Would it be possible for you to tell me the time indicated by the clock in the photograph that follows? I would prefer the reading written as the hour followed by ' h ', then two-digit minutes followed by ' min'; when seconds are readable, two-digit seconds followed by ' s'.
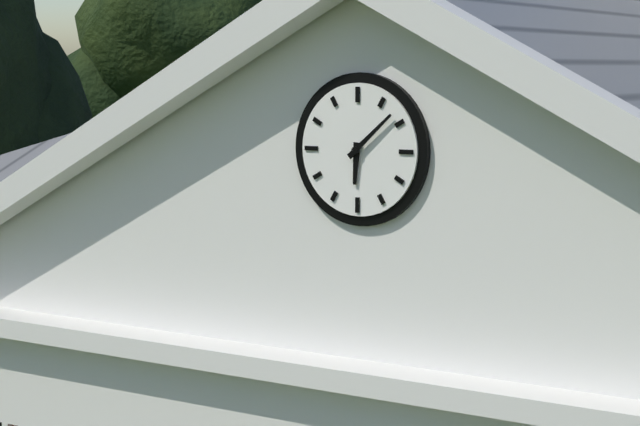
6 h 08 min
